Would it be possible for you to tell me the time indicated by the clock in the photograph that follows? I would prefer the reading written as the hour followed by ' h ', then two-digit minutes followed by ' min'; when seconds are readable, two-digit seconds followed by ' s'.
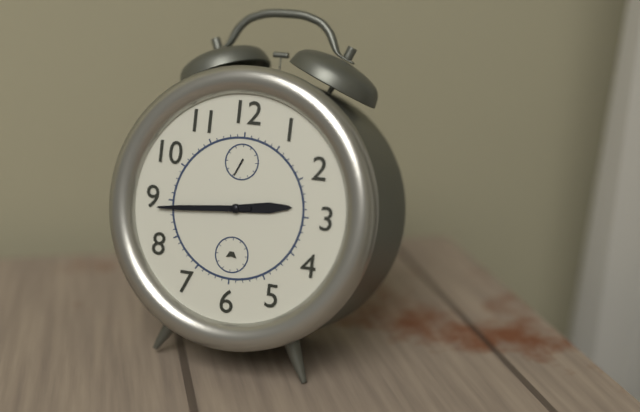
2 h 44 min
